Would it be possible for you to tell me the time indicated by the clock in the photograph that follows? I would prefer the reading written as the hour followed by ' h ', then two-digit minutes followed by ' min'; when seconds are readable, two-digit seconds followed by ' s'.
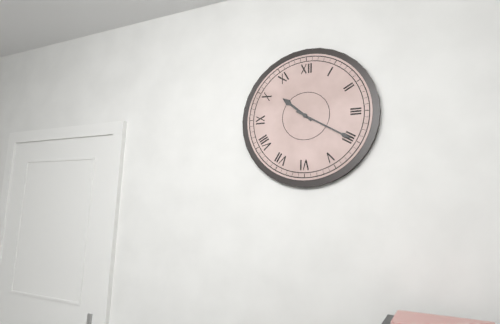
10 h 20 min
